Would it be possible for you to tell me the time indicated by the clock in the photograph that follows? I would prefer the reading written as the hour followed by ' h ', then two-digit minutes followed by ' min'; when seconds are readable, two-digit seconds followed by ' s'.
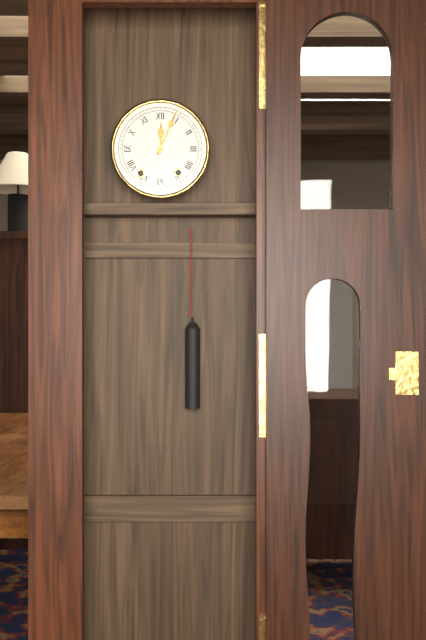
12 h 04 min
